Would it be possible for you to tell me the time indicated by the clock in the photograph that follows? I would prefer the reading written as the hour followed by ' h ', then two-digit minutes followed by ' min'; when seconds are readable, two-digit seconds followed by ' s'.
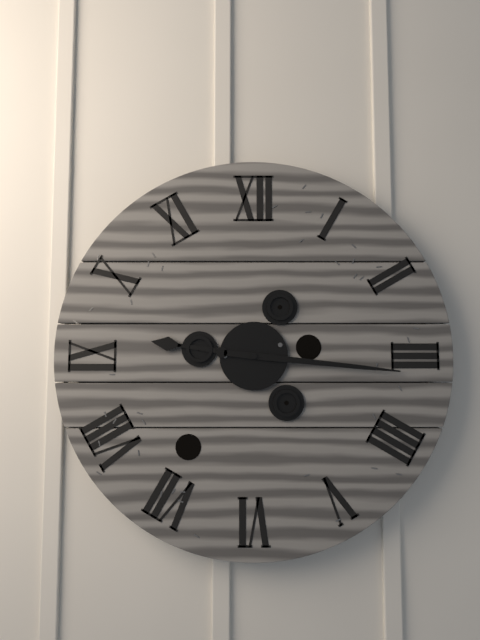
9 h 16 min
